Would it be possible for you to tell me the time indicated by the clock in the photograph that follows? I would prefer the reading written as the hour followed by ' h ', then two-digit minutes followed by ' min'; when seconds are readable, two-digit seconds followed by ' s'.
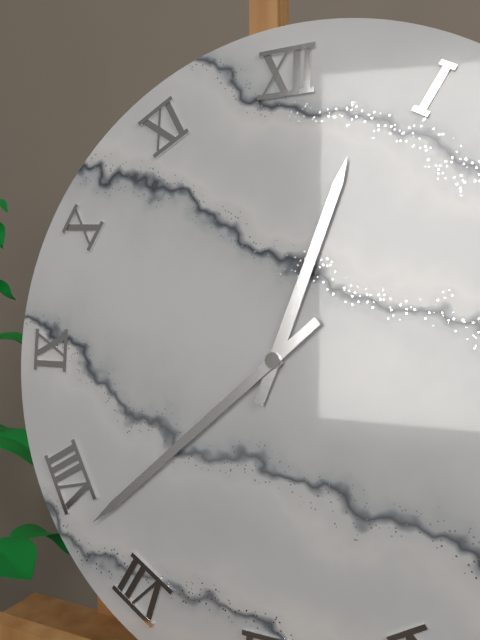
12 h 38 min
